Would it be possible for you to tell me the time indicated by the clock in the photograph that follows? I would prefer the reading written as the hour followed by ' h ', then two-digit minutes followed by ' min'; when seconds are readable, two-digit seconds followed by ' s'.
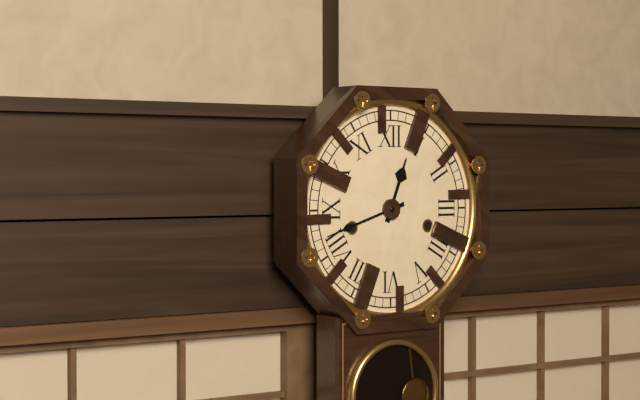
12 h 42 min
